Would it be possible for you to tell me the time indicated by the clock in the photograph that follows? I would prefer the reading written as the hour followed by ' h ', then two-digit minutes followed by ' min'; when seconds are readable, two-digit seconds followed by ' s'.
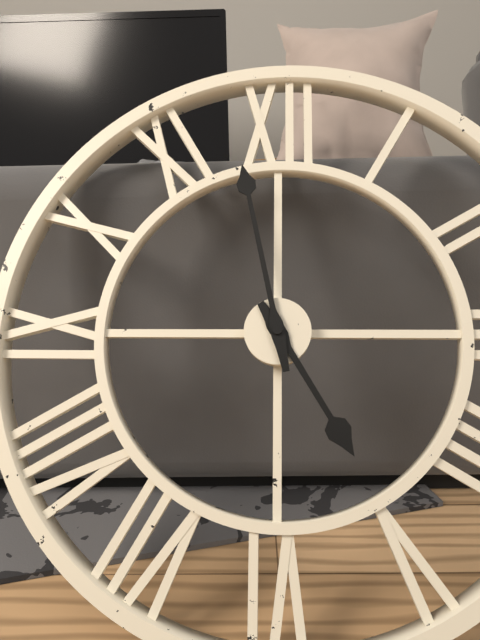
4 h 58 min
